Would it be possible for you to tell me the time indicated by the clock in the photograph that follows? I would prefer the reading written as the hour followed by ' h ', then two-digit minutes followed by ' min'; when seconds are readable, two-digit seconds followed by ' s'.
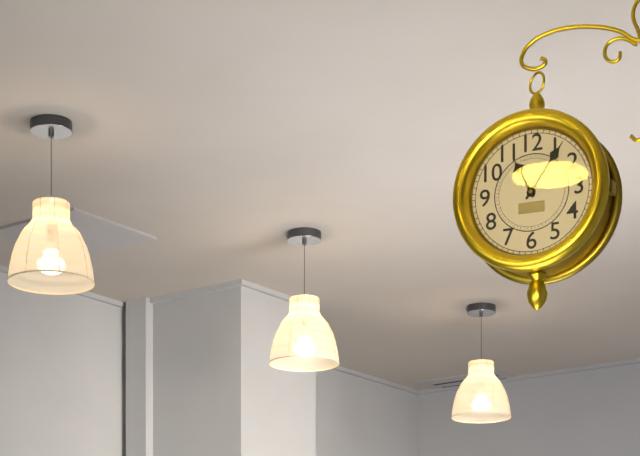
11 h 06 min
